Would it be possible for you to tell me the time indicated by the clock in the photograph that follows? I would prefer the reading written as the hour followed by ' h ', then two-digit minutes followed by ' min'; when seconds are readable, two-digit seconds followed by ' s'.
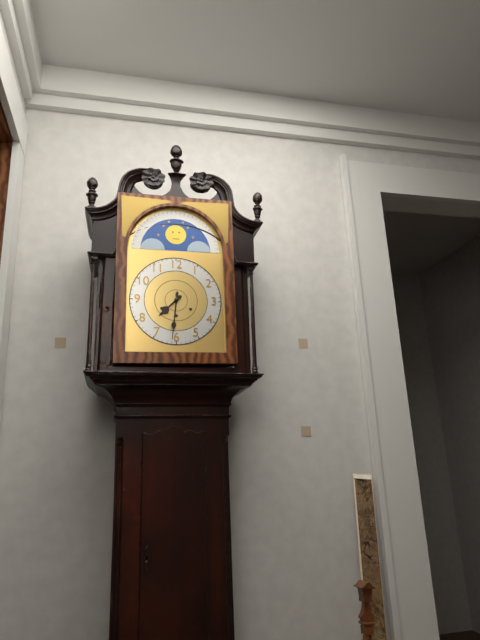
7 h 31 min
